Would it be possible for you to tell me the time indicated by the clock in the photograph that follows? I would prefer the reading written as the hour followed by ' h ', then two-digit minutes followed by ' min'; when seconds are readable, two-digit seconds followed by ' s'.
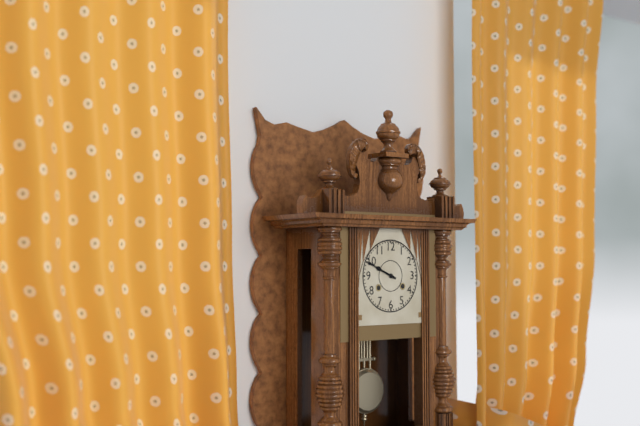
9 h 49 min
